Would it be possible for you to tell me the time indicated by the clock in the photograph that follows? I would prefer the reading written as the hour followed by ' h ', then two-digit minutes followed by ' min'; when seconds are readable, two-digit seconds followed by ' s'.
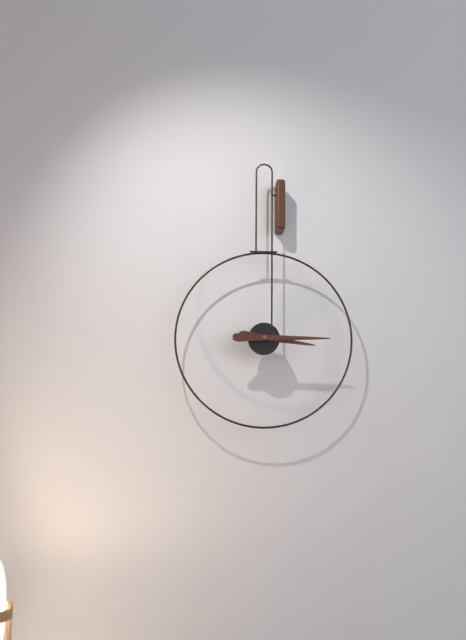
3 h 15 min
